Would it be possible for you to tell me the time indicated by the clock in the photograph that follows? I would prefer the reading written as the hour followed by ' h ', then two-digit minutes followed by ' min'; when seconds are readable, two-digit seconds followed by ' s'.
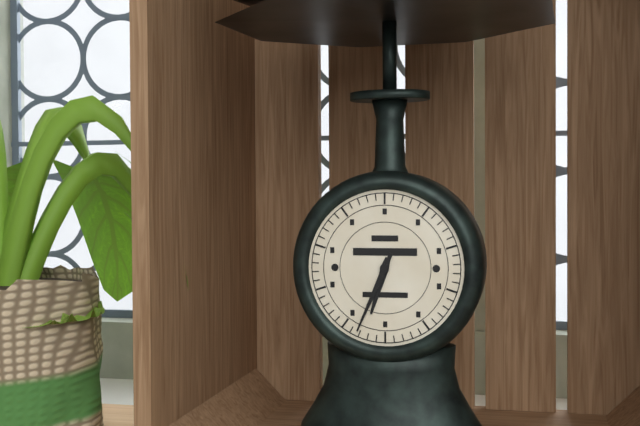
6 h 34 min
